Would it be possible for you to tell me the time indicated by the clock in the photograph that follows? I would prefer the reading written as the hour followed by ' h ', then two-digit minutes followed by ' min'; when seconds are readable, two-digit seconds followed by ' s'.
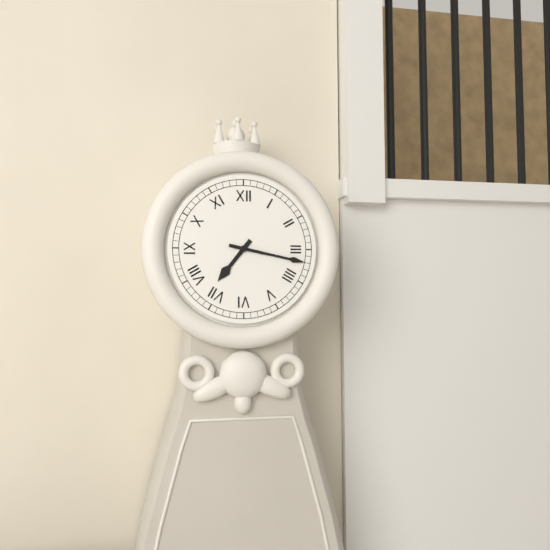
7 h 17 min
